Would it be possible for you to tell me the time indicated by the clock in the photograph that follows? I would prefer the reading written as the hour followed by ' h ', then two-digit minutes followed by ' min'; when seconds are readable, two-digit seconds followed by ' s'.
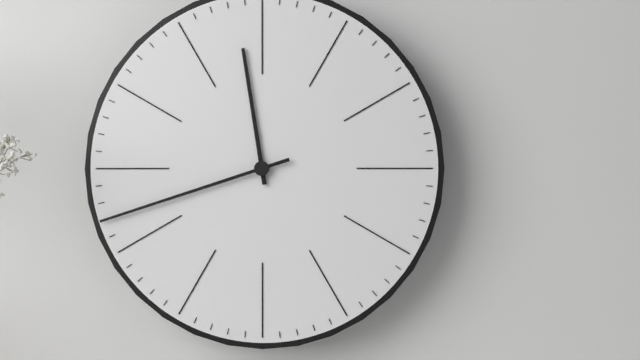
11 h 42 min
